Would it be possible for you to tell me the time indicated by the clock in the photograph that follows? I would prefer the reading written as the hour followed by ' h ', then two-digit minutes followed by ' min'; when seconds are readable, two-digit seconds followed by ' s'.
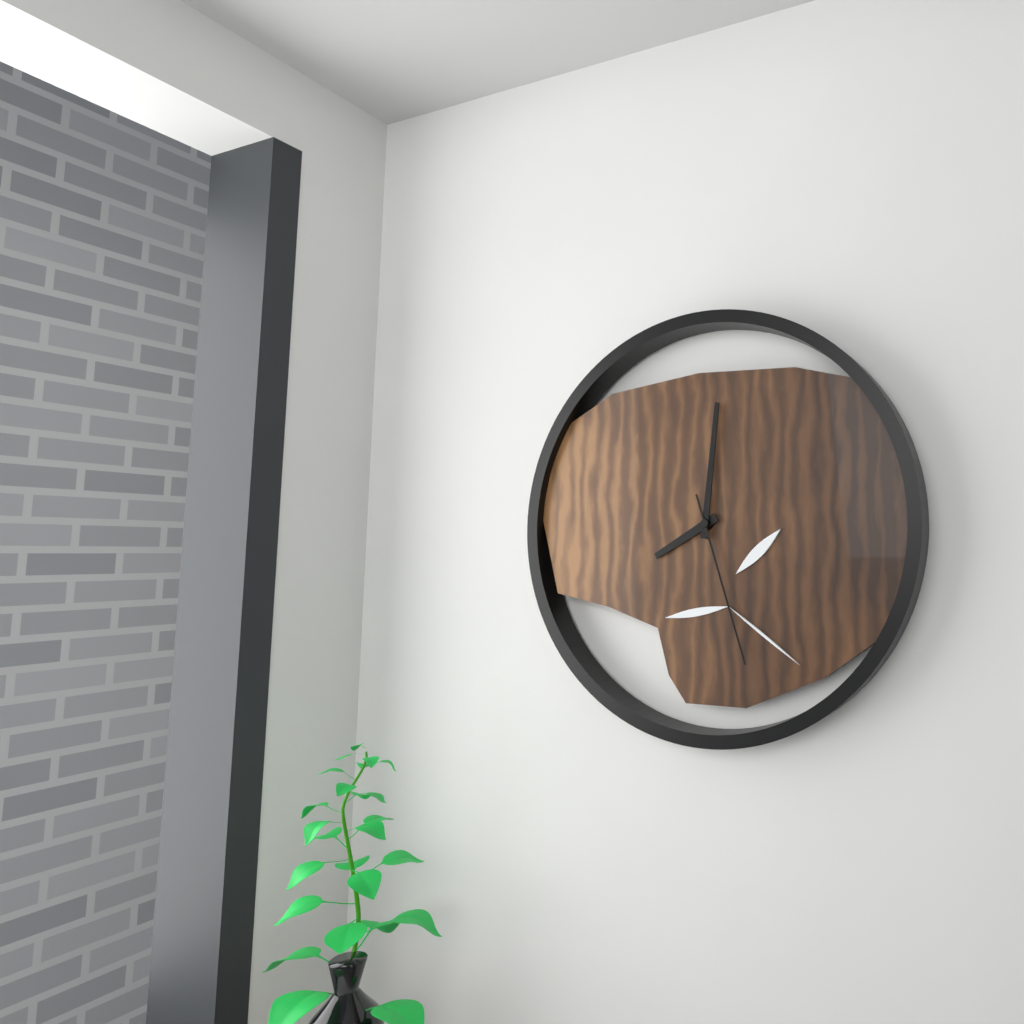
8 h 01 min 27 s
